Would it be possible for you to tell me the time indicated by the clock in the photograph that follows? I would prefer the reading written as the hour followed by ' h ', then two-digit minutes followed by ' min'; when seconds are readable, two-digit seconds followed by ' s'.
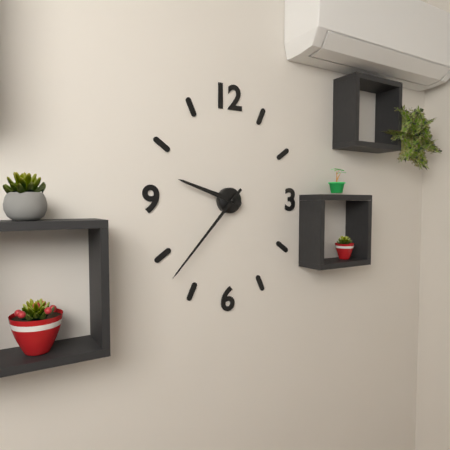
9 h 37 min
